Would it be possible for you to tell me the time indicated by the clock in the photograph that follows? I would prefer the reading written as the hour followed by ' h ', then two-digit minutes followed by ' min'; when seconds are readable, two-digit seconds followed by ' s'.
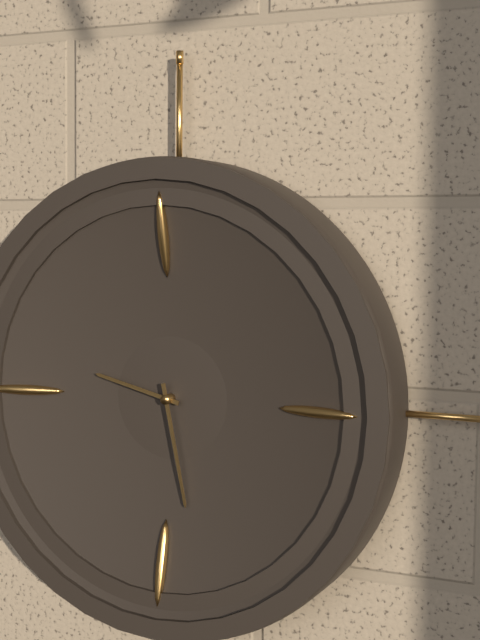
9 h 28 min
